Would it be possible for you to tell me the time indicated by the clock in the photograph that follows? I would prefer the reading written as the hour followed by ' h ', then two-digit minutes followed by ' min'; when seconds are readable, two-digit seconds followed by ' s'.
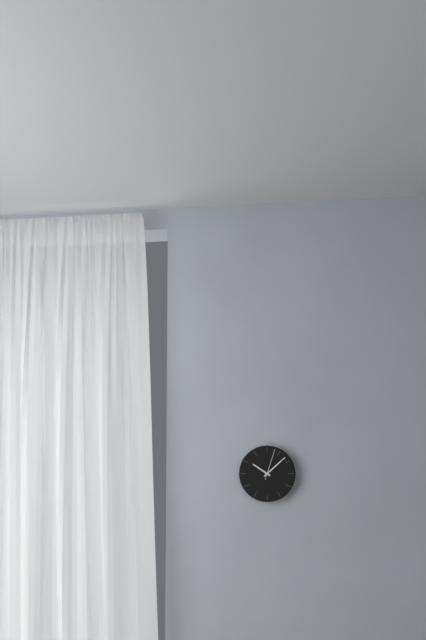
10 h 08 min
